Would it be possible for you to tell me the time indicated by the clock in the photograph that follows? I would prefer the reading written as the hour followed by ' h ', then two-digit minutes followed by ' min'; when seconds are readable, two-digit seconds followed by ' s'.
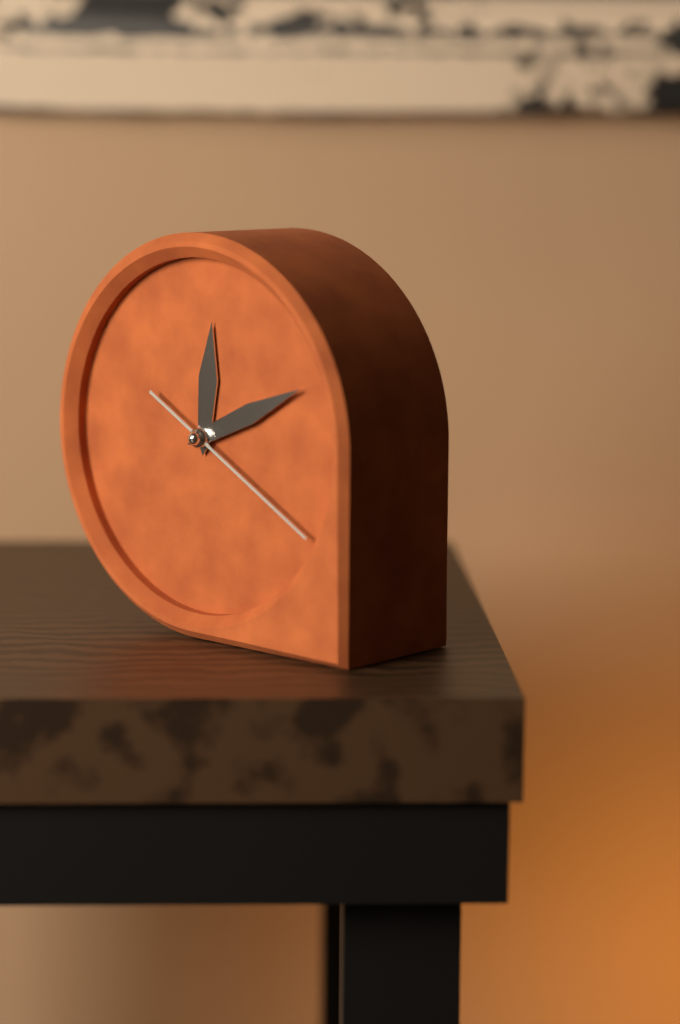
12 h 11 min 20 s
